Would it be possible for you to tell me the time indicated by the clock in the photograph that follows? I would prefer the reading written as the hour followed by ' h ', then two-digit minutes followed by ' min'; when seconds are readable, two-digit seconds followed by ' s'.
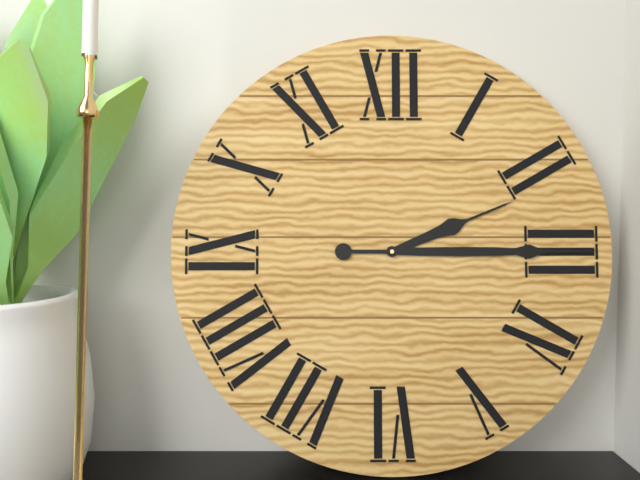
2 h 15 min
